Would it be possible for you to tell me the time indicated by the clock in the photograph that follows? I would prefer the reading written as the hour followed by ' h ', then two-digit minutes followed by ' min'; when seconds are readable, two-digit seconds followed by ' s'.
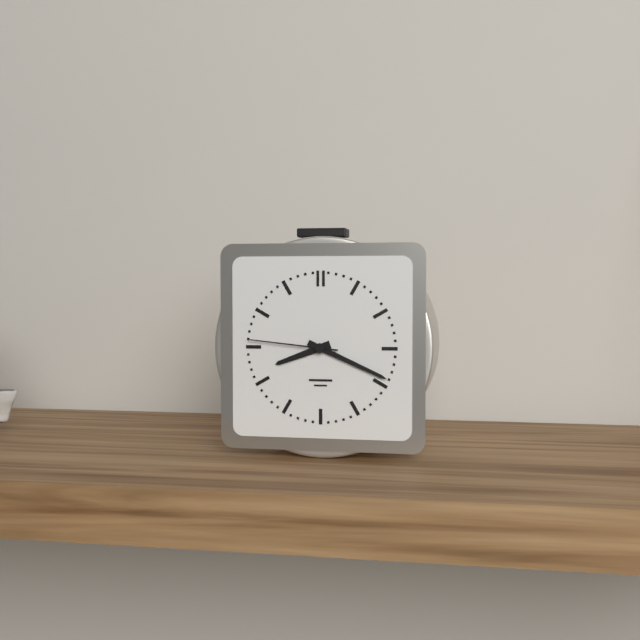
8 h 19 min 46 s
